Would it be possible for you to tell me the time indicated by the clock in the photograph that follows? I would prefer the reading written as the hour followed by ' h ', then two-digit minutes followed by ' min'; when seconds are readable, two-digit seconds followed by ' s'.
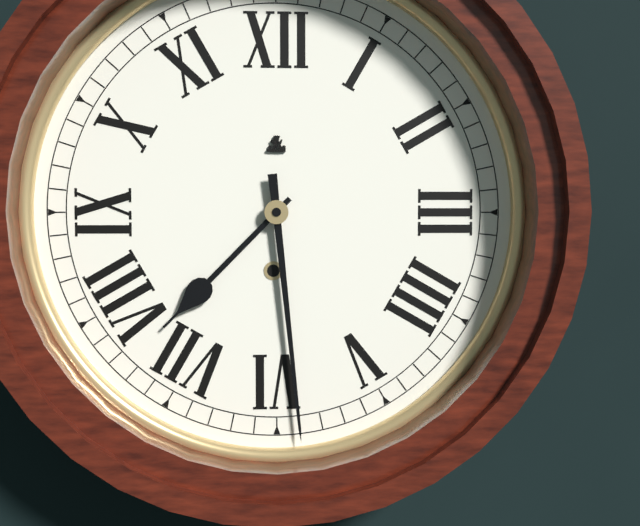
7 h 29 min
